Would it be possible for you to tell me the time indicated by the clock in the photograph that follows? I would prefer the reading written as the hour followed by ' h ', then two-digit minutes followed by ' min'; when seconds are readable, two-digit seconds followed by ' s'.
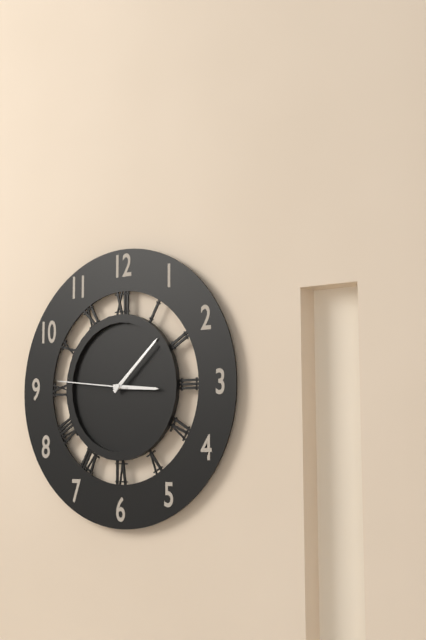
3 h 08 min 46 s
